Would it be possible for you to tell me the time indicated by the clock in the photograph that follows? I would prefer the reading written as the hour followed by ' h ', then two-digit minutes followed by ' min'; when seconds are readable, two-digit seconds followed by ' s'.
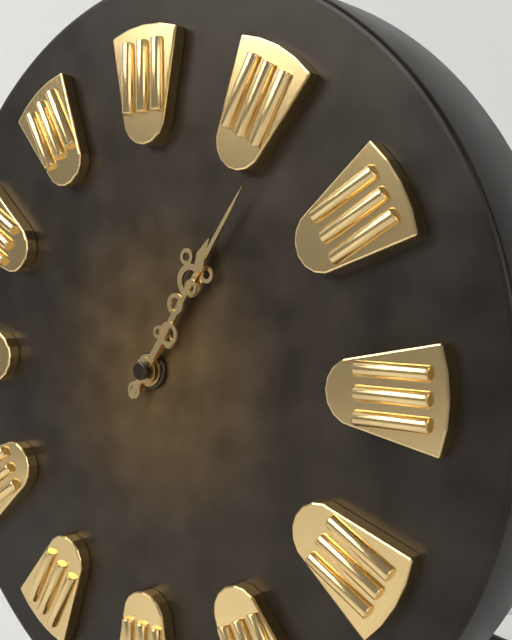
1 h 06 min
